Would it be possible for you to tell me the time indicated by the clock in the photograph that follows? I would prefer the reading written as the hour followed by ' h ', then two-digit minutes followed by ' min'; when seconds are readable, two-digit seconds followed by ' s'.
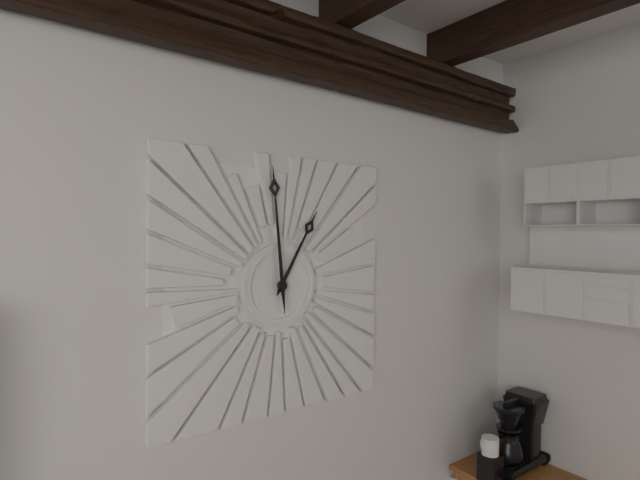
12 h 59 min
